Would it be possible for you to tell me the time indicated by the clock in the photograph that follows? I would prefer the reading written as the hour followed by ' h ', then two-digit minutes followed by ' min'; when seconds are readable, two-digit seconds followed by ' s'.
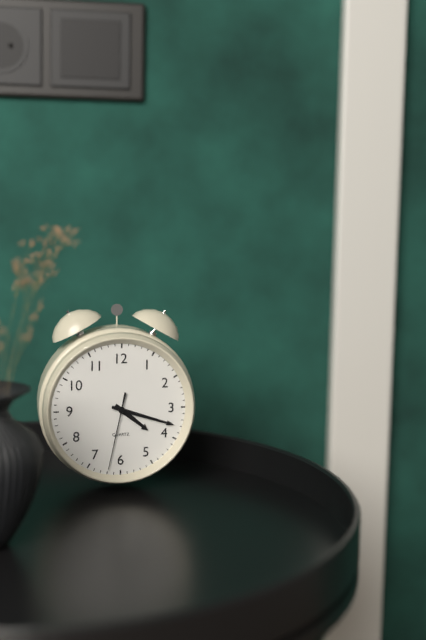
4 h 18 min 32 s
